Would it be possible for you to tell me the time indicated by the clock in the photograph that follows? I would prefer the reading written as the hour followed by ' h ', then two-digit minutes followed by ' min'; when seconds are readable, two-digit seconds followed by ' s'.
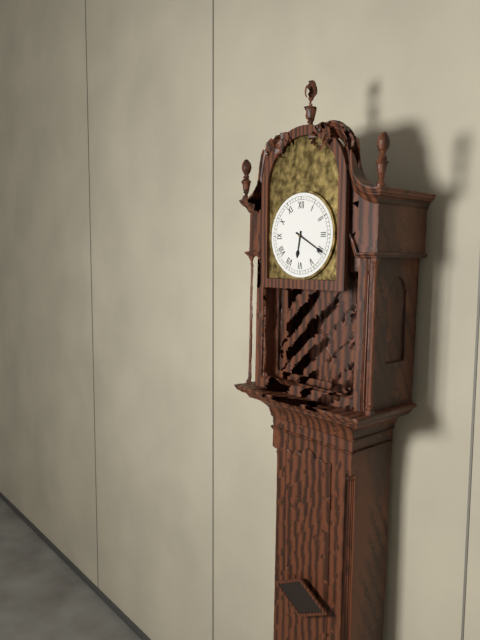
6 h 20 min
